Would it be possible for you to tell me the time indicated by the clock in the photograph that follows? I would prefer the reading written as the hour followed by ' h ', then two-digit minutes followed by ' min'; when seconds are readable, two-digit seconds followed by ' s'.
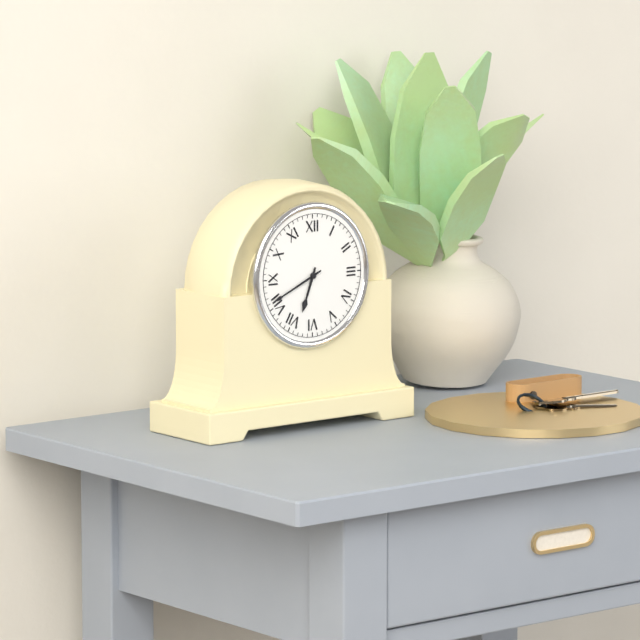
6 h 41 min
